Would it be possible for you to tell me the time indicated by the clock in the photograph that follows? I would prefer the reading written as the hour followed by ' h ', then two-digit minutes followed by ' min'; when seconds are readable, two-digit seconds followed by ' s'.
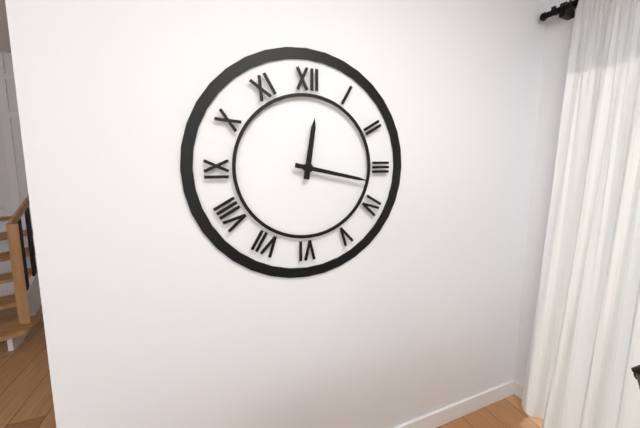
12 h 17 min
